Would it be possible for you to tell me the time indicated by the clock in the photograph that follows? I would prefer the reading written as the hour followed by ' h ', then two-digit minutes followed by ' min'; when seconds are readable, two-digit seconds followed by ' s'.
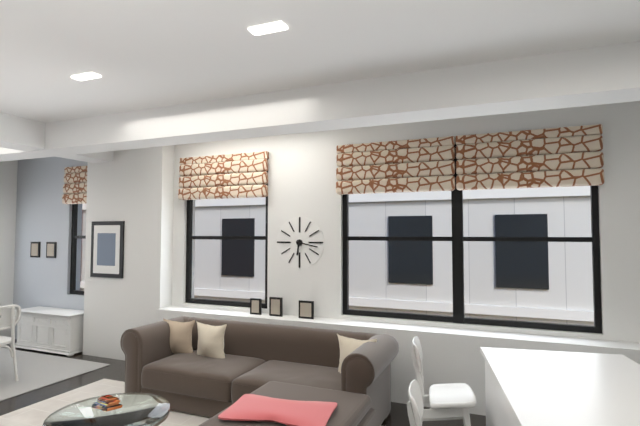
6 h 17 min
